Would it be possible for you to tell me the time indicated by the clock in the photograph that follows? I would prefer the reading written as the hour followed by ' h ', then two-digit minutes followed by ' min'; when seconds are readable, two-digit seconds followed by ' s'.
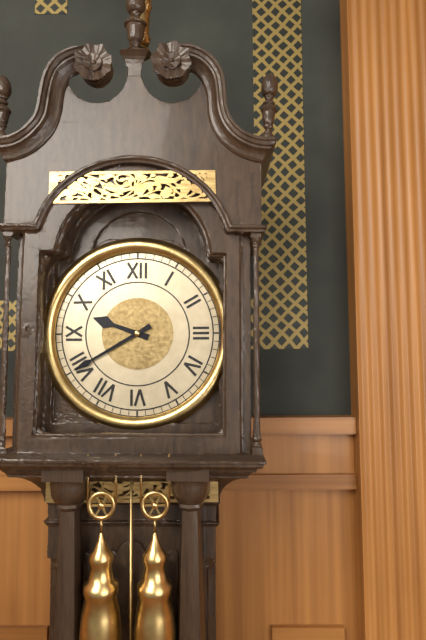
9 h 40 min
